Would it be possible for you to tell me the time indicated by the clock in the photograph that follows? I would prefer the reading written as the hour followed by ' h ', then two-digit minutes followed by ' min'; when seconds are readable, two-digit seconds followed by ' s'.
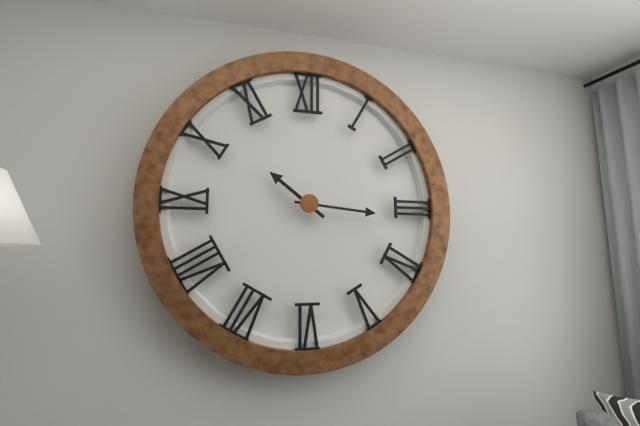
10 h 16 min
